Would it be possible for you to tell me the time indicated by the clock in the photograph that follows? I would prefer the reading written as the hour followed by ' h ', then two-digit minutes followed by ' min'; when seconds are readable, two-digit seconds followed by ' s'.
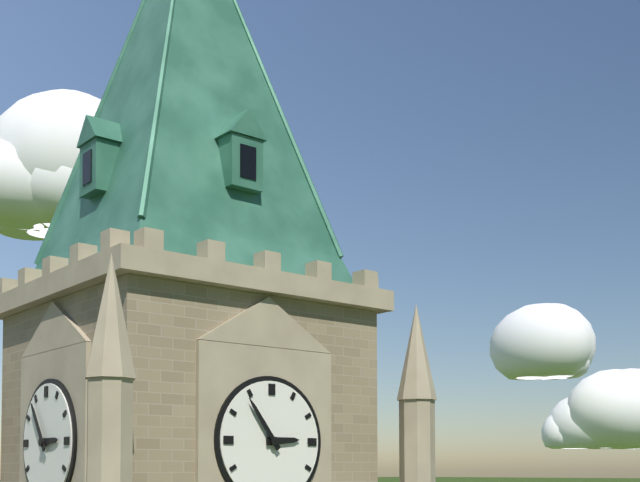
2 h 54 min
